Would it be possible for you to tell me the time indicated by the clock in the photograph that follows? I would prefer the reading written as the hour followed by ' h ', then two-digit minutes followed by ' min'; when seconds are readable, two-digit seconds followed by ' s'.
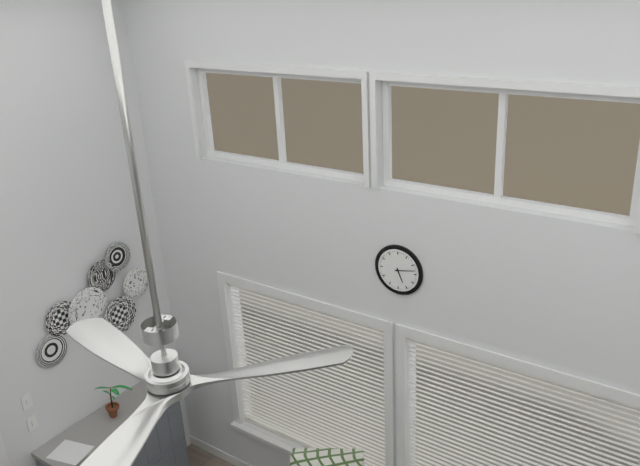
5 h 13 min
